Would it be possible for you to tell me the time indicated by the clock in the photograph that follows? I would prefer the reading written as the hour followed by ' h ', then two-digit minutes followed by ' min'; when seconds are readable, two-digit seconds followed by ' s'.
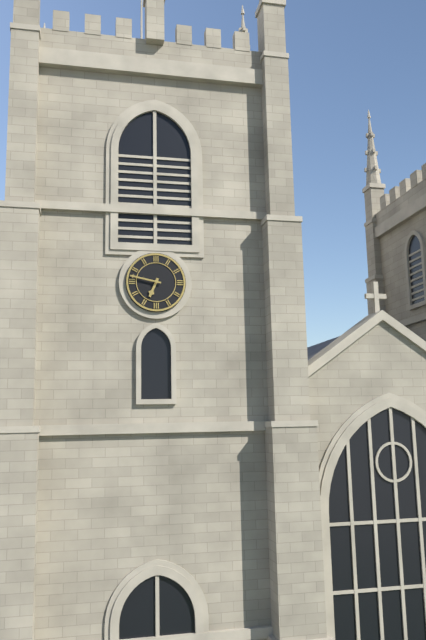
6 h 47 min
